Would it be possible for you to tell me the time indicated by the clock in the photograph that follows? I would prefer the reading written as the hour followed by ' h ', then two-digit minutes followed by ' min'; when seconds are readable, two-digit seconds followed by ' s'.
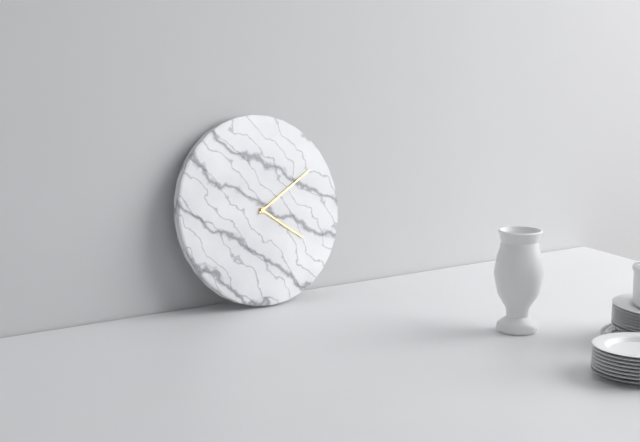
4 h 10 min
